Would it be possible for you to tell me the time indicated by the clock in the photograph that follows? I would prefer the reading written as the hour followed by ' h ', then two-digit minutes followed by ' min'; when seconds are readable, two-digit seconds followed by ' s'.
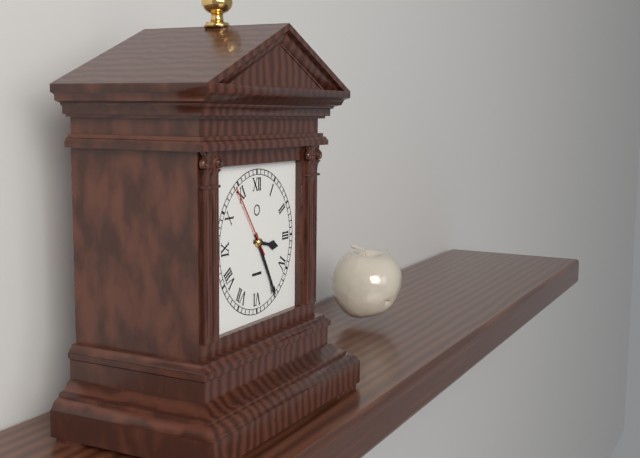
3 h 25 min 54 s
